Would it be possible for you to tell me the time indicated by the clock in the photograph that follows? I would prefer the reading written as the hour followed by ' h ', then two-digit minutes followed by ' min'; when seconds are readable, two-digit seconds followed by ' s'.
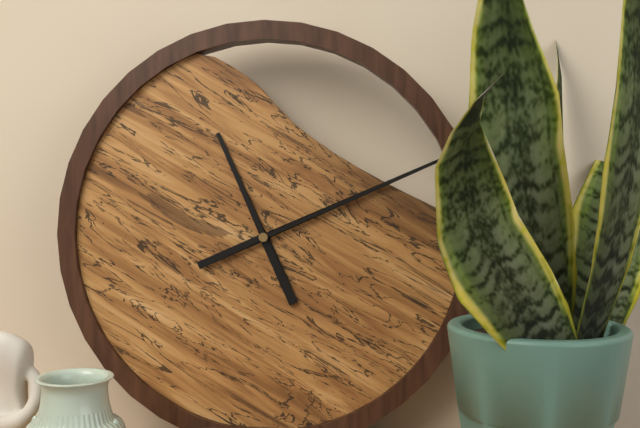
11 h 11 min
